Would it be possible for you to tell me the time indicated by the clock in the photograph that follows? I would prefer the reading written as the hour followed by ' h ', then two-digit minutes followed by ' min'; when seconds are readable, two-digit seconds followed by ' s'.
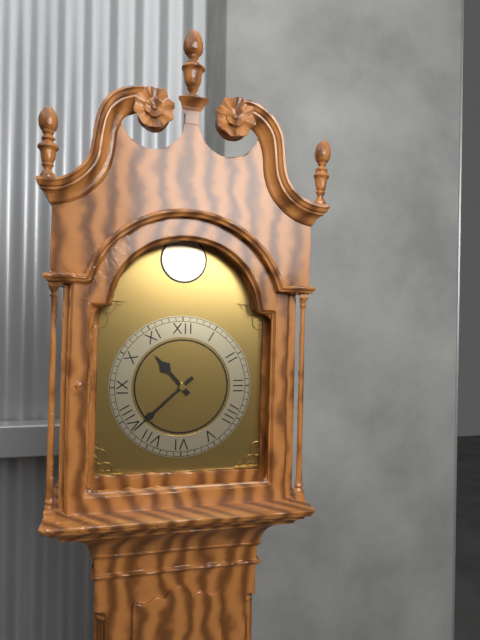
10 h 38 min
